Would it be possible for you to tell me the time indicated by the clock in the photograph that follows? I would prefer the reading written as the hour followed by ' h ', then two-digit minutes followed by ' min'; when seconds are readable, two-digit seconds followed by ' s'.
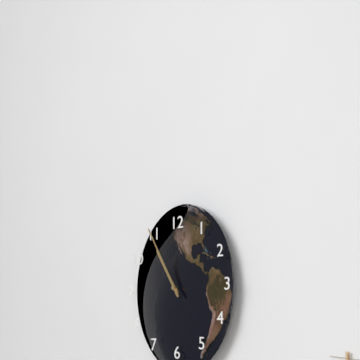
10 h 55 min
